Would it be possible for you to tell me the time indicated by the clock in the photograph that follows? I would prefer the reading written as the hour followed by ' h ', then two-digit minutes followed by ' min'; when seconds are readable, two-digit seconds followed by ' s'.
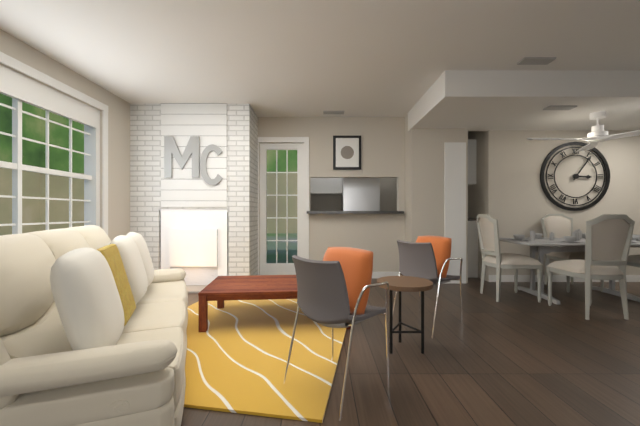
3 h 06 min
